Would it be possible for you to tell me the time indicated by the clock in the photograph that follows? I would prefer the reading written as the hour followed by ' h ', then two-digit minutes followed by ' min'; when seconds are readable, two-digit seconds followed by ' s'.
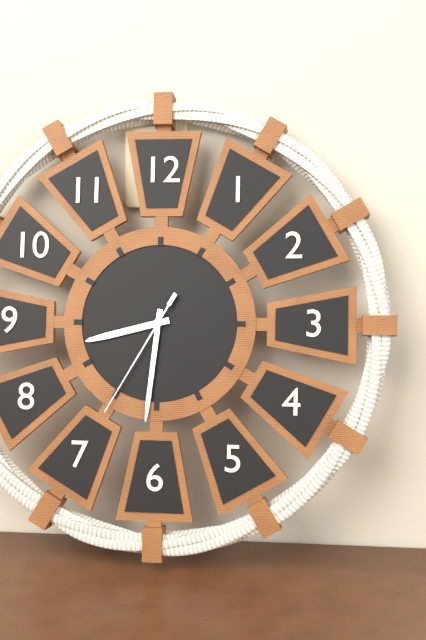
8 h 31 min 35 s
